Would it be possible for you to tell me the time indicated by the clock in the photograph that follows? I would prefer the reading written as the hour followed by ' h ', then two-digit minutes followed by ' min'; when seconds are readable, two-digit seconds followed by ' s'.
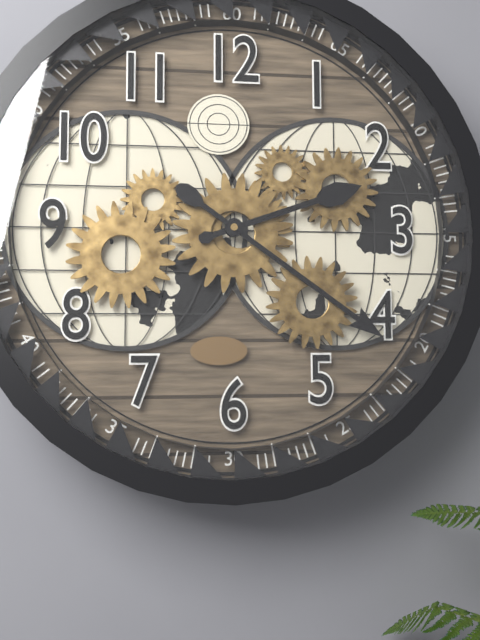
2 h 21 min
